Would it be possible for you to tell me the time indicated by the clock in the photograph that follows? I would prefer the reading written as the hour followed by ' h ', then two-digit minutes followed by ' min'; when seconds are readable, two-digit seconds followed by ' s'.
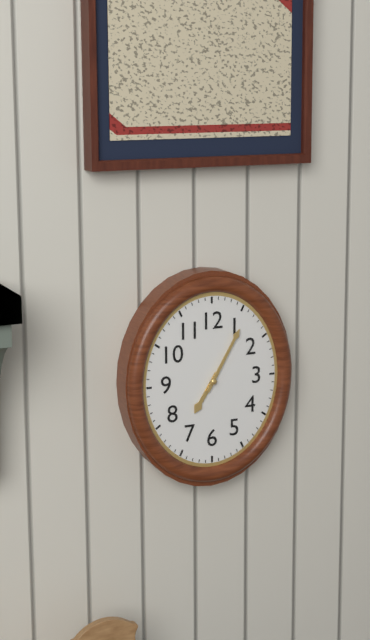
7 h 05 min
